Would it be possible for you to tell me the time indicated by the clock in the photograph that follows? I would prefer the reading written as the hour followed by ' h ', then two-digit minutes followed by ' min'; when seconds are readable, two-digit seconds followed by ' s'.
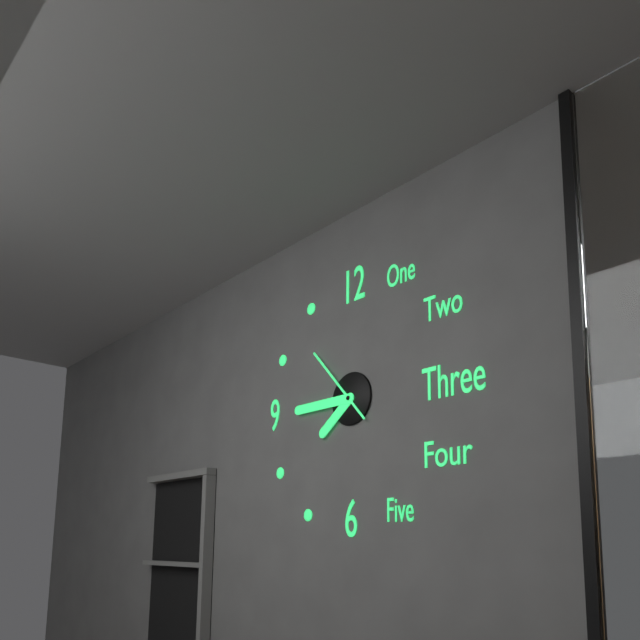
7 h 45 min 53 s
